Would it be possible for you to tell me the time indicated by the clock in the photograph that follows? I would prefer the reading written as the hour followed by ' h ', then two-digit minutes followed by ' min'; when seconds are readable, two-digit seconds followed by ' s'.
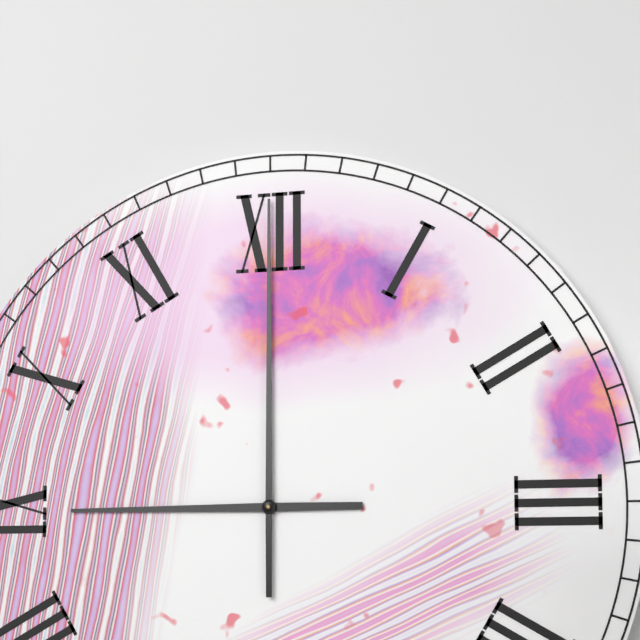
9 h 00 min
